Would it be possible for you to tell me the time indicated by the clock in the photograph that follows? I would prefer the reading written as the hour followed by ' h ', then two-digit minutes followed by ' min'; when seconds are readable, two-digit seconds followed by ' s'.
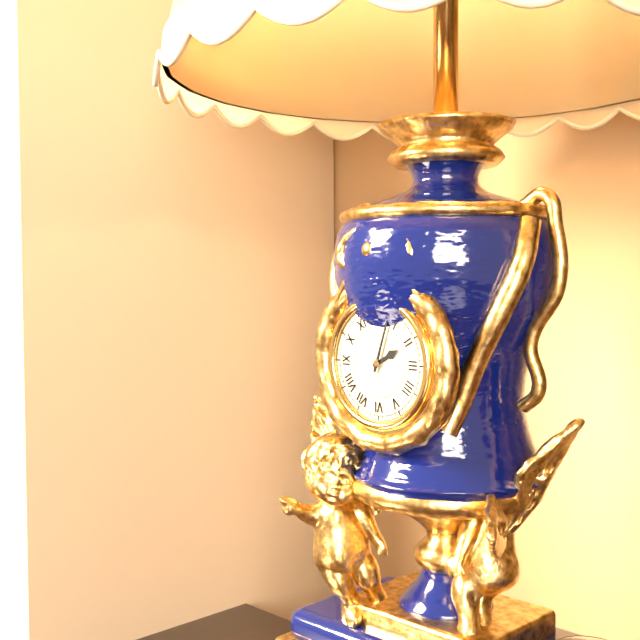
2 h 03 min
